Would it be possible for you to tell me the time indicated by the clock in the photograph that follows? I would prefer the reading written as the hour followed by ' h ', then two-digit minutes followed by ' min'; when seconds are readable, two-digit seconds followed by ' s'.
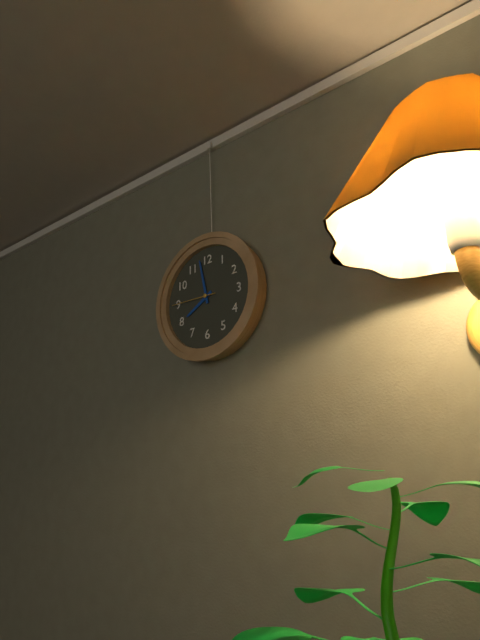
7 h 58 min
